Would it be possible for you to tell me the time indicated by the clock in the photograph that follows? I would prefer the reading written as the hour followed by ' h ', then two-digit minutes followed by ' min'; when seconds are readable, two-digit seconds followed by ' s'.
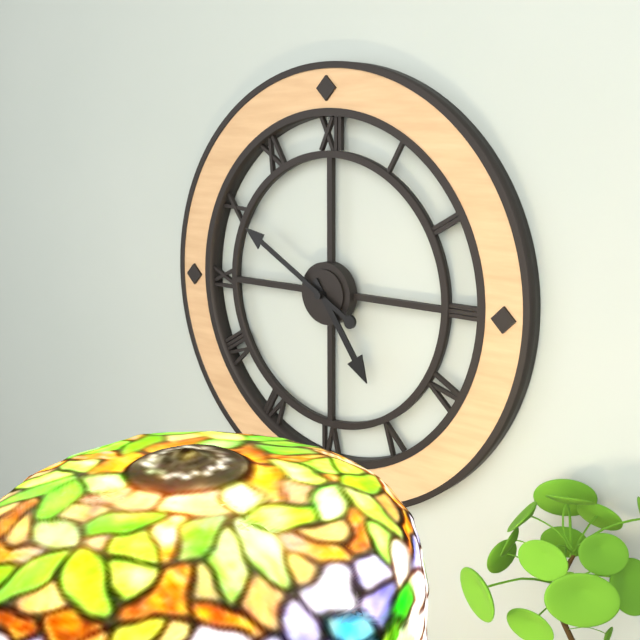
4 h 50 min
